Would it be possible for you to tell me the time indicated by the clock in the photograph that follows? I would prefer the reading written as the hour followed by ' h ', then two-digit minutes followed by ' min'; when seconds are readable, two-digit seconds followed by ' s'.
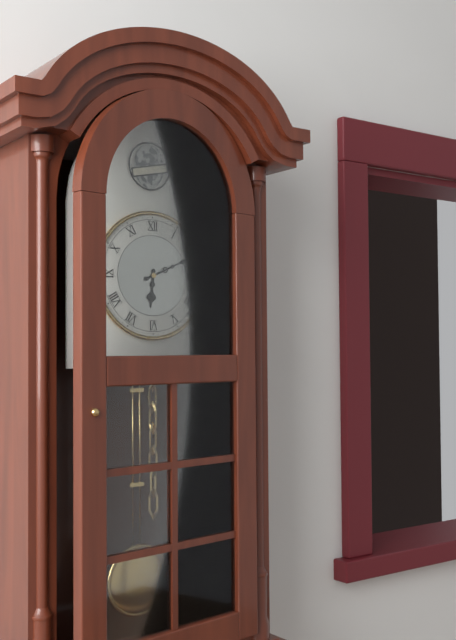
6 h 11 min
